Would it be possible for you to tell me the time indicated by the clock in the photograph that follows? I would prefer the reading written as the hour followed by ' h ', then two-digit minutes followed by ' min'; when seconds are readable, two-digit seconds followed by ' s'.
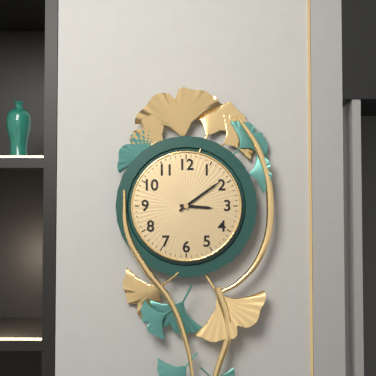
3 h 09 min
